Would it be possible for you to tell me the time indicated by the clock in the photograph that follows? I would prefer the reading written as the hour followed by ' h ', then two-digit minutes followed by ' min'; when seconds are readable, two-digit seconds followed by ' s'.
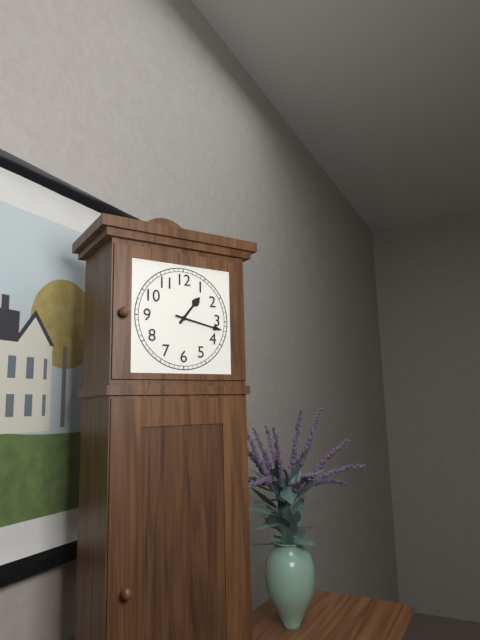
1 h 17 min
